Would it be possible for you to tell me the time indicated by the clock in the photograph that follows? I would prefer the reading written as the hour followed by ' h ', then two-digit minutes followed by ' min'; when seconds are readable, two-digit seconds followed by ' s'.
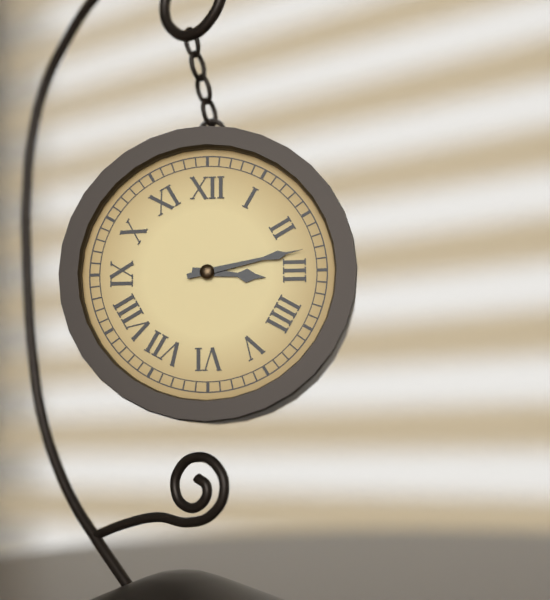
3 h 13 min
